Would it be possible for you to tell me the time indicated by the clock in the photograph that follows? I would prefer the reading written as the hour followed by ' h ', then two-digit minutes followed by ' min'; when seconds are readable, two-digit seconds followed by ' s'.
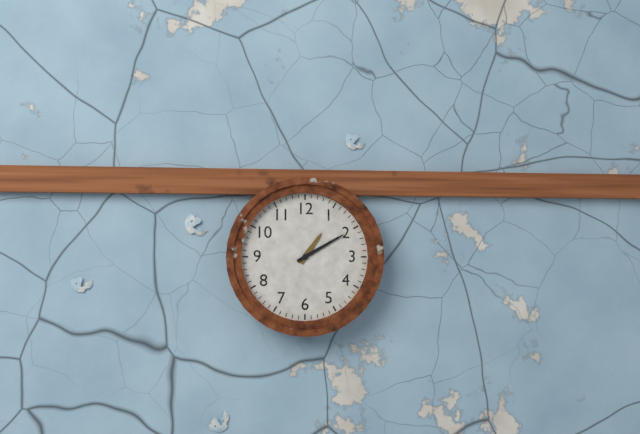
1 h 10 min
